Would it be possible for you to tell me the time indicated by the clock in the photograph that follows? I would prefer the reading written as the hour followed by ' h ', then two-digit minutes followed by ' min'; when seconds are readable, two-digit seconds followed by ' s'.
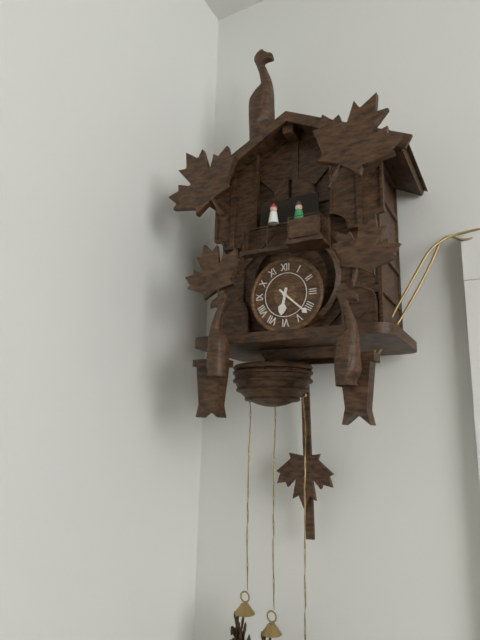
6 h 22 min
